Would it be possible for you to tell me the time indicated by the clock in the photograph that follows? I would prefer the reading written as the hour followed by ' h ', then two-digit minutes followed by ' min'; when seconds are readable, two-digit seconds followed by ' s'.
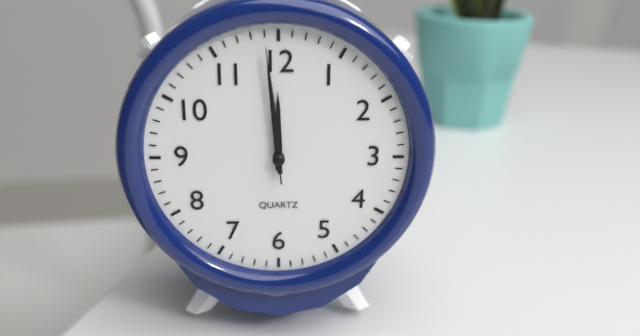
11 h 59 min 59 s
